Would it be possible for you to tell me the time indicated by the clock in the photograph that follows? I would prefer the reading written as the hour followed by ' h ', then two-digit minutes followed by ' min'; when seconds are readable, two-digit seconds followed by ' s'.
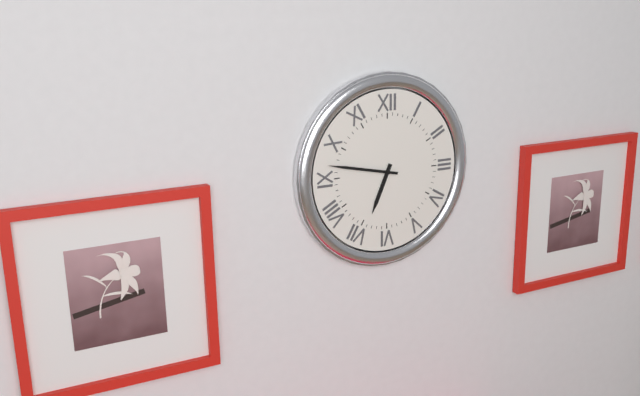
6 h 47 min
